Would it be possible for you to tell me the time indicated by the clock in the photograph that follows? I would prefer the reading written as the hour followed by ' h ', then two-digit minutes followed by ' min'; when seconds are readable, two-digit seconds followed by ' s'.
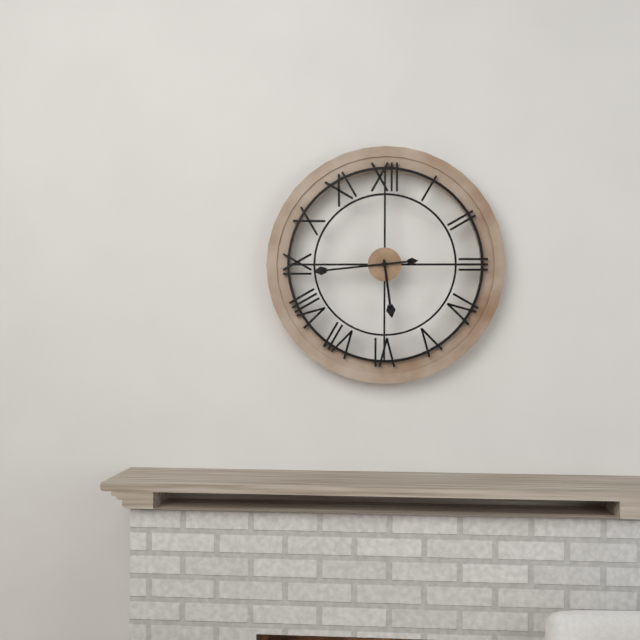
5 h 44 min
